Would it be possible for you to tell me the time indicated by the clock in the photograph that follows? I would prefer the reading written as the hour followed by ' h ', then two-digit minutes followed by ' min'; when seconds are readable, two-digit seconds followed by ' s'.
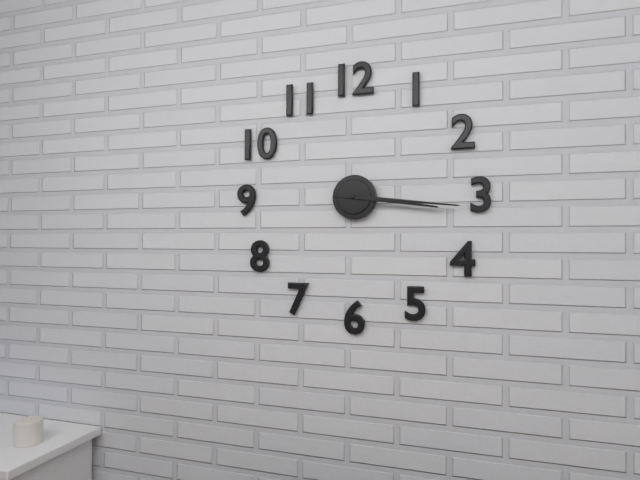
3 h 16 min
